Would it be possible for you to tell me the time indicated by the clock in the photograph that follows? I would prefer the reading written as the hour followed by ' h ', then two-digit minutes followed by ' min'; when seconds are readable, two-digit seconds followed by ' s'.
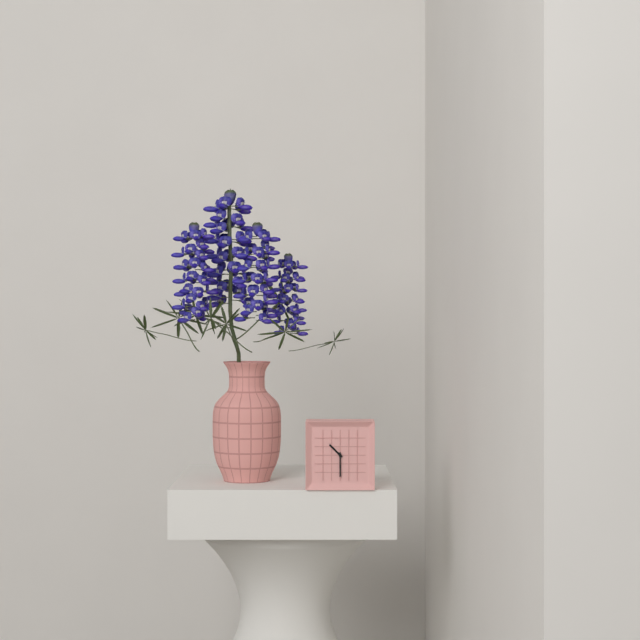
10 h 30 min
